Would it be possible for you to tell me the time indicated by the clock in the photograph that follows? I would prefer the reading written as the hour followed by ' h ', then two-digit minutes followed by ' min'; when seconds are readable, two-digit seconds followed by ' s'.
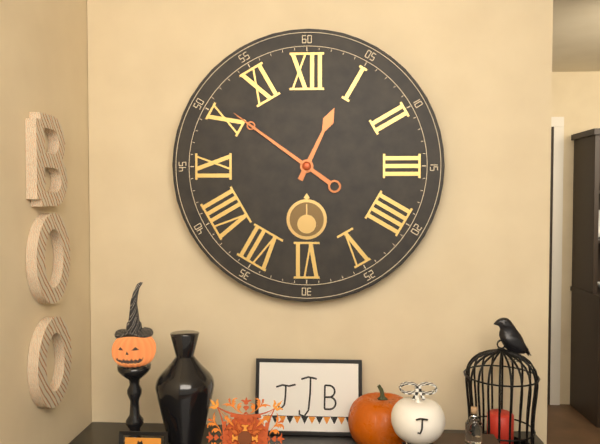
12 h 51 min
